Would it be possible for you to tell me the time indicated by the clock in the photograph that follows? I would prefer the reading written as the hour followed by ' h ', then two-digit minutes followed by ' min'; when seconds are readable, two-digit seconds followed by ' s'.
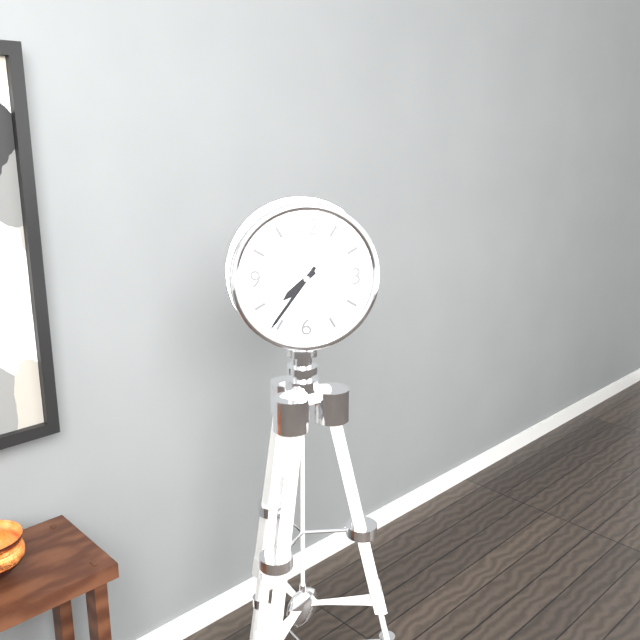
7 h 36 min
